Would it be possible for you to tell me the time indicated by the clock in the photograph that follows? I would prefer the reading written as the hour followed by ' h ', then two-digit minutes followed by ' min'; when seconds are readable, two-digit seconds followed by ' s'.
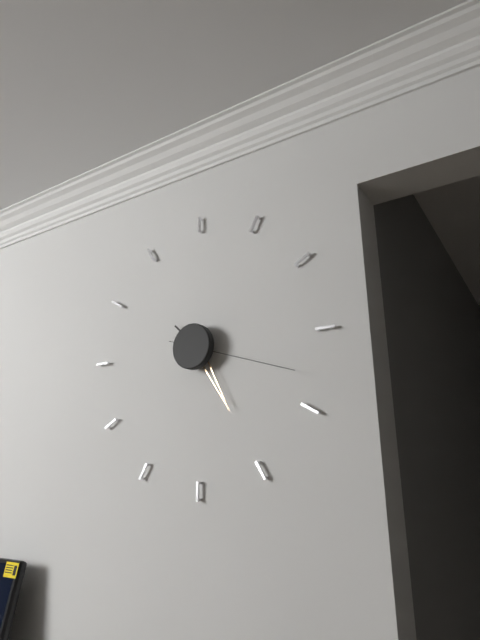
10 h 25 min 18 s
